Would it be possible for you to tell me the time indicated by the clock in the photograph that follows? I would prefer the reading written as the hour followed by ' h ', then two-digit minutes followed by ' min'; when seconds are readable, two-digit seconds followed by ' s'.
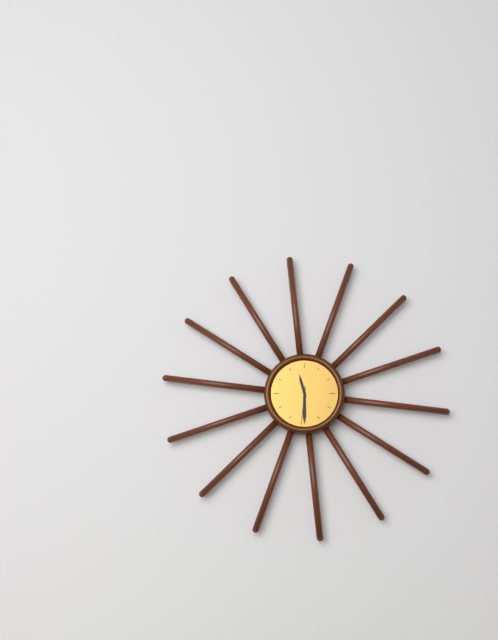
11 h 30 min
